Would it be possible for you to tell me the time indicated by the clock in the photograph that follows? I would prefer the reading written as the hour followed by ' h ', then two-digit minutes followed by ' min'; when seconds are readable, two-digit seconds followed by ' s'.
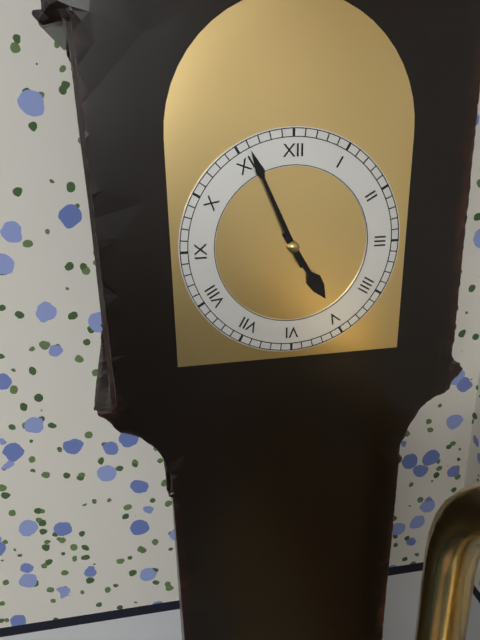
4 h 56 min
